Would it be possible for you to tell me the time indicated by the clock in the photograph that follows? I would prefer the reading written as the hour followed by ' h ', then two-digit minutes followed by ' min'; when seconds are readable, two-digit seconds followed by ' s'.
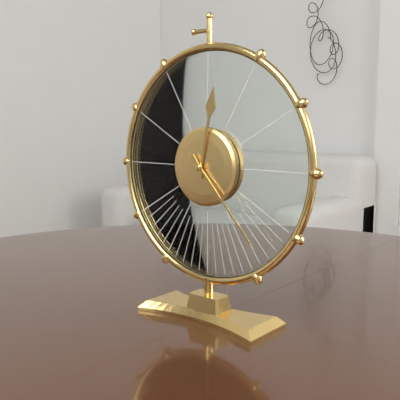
12 h 23 min
